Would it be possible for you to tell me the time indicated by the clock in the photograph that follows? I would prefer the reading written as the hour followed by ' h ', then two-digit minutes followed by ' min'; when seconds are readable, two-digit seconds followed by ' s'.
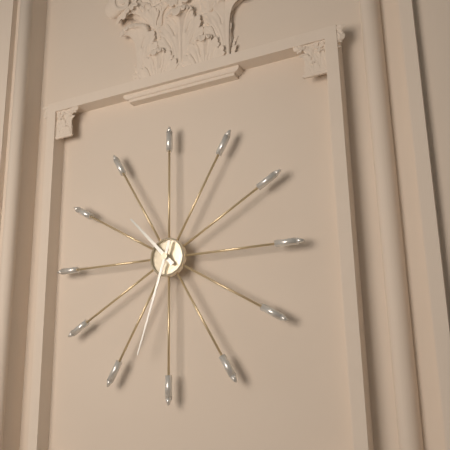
10 h 33 min
